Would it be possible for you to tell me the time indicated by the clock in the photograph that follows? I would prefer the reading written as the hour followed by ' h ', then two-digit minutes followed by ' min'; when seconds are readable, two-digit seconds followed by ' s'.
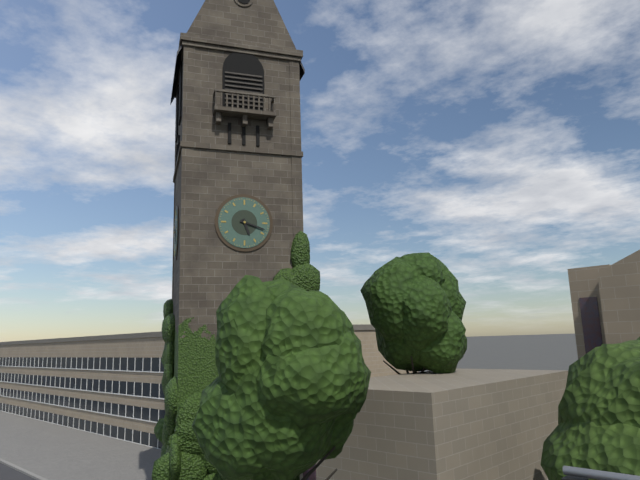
5 h 18 min
